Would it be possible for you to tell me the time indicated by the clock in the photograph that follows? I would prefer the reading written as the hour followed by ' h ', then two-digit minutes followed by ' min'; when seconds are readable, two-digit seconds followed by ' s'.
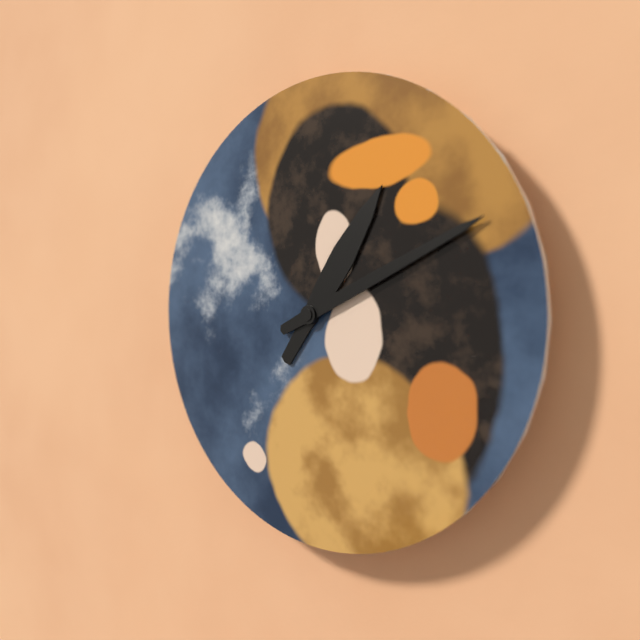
1 h 11 min
